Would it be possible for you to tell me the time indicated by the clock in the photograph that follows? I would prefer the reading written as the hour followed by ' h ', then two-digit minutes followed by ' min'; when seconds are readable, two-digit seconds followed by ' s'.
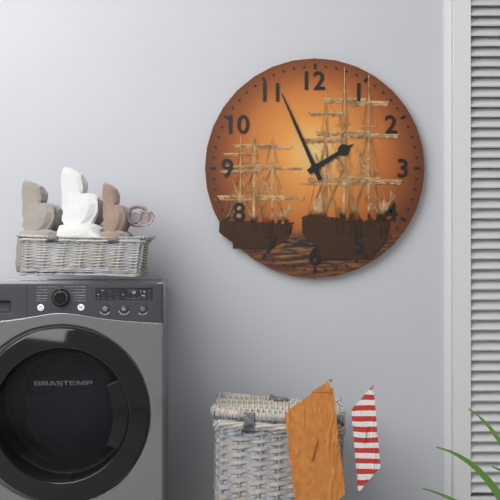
1 h 56 min
